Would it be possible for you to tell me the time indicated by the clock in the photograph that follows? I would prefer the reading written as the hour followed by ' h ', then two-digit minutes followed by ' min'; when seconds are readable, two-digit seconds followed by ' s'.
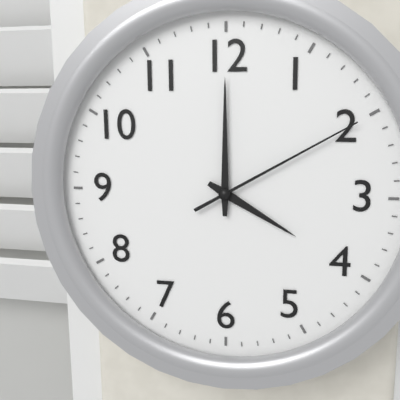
4 h 00 min 10 s
